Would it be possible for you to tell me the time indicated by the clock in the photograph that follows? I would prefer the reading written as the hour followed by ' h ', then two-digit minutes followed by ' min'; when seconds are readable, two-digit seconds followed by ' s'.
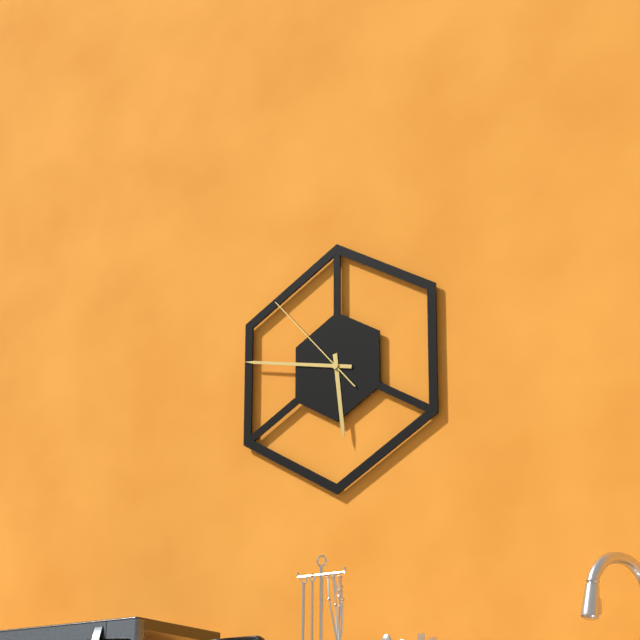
5 h 47 min 53 s
